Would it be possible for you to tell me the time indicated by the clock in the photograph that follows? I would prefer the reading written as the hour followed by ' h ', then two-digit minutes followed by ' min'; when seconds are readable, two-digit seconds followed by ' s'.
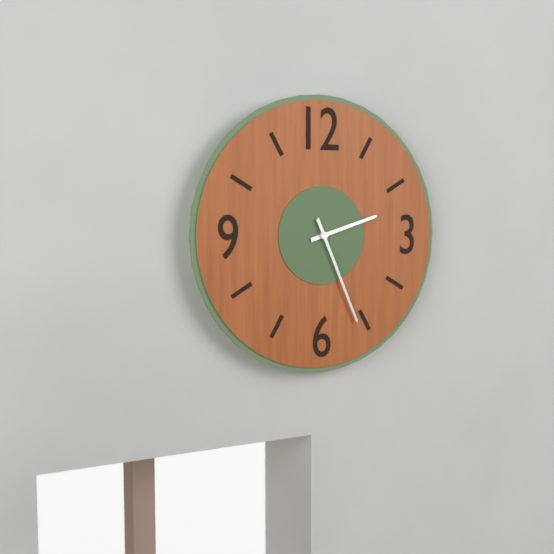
2 h 26 min
